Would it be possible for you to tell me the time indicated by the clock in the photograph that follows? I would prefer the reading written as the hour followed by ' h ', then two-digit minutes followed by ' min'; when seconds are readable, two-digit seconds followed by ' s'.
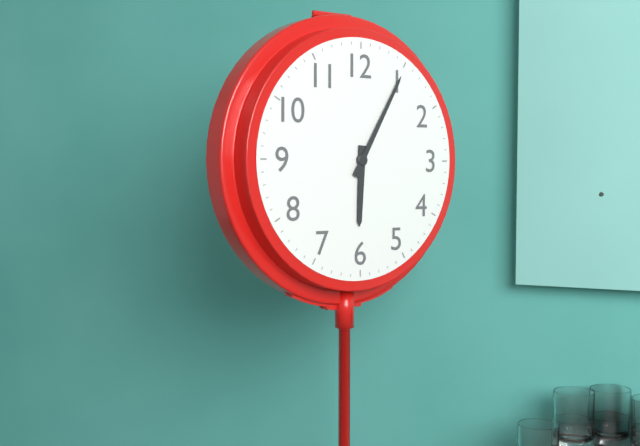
6 h 05 min
